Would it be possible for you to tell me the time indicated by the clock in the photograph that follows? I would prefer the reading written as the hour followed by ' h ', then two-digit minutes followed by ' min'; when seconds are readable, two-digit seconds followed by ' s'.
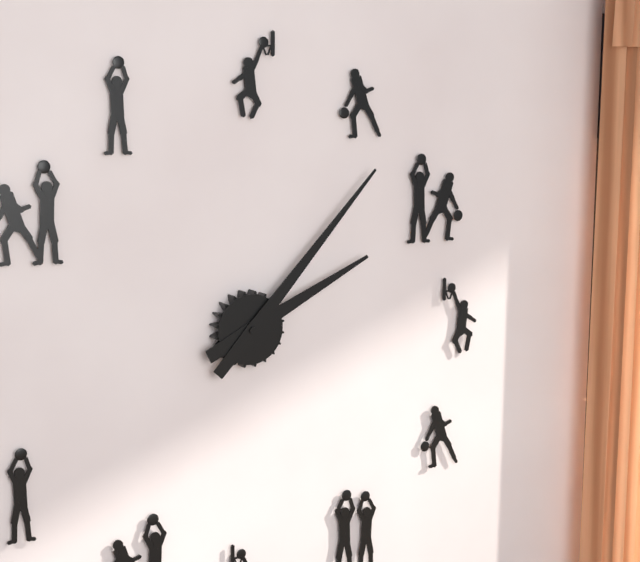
2 h 07 min
